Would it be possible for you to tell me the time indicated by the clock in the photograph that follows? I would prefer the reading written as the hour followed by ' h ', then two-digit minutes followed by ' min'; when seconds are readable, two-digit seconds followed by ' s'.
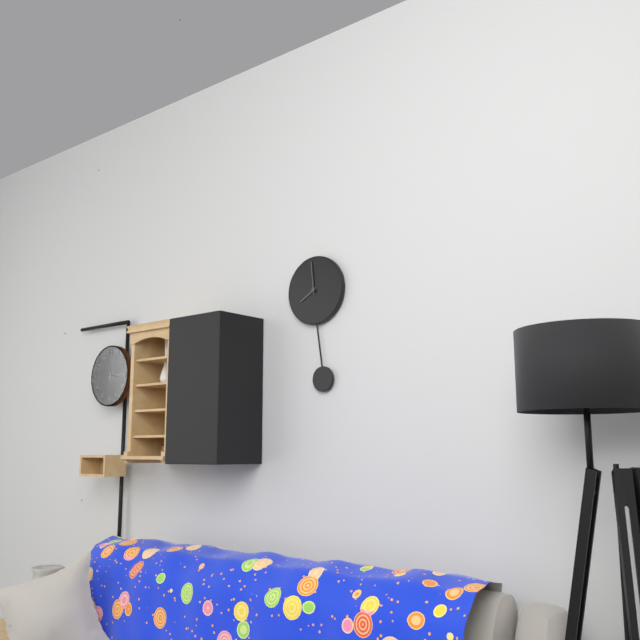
7 h 59 min
